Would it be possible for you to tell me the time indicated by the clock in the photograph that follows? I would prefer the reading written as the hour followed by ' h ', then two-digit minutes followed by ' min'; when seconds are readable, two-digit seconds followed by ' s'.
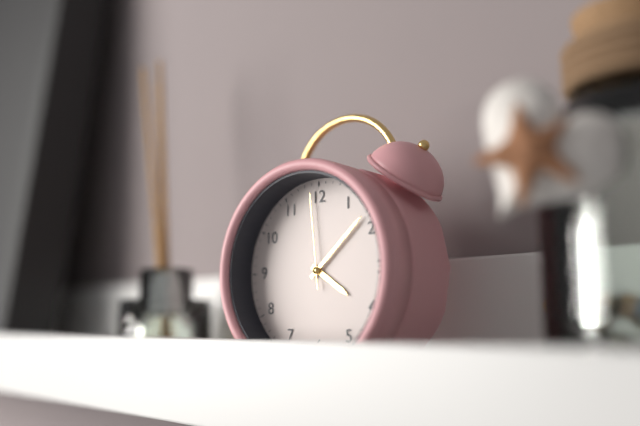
4 h 08 min 59 s
